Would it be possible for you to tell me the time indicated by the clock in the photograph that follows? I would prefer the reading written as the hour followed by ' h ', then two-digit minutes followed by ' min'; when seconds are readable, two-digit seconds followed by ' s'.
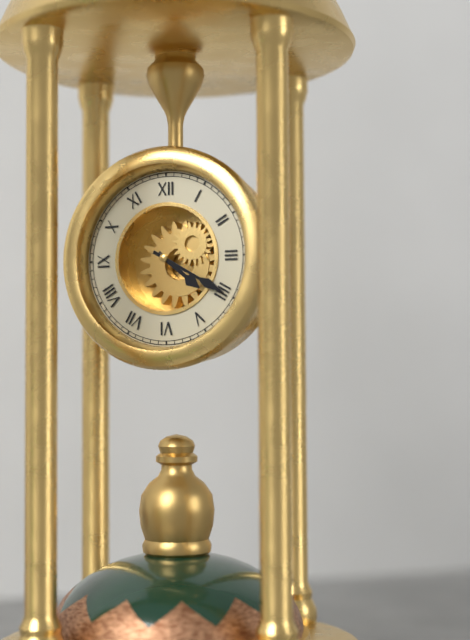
4 h 20 min
